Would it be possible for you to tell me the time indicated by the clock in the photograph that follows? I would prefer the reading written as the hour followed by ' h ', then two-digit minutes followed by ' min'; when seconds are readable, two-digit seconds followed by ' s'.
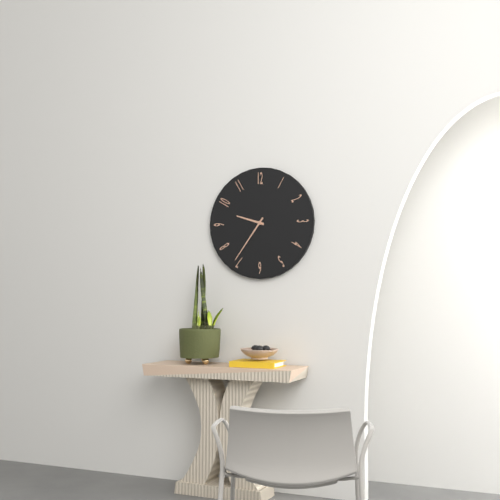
9 h 36 min
